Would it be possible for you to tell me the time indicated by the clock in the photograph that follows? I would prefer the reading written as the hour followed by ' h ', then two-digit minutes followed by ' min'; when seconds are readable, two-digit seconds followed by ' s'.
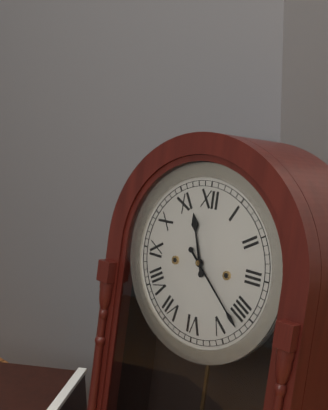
11 h 22 min
